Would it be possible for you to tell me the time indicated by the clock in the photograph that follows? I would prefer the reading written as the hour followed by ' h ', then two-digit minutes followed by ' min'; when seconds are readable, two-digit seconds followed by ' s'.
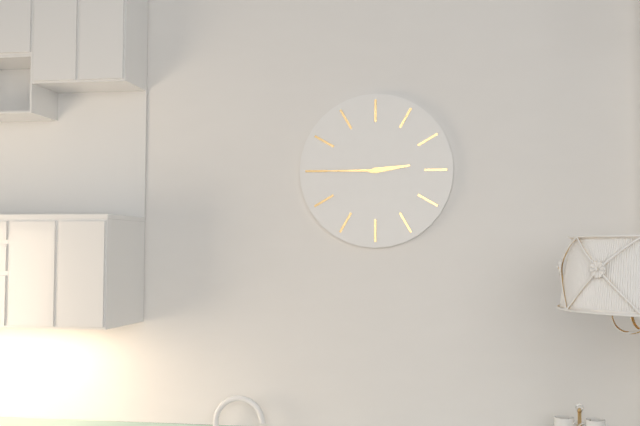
2 h 45 min
